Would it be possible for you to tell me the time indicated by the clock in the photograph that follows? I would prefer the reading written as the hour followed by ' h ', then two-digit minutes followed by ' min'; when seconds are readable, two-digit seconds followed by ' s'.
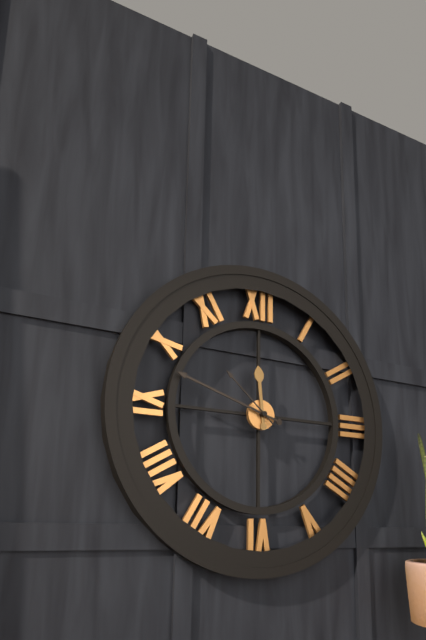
11 h 48 min 52 s
